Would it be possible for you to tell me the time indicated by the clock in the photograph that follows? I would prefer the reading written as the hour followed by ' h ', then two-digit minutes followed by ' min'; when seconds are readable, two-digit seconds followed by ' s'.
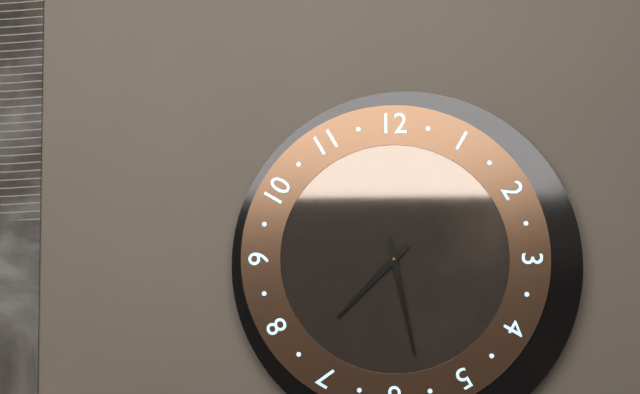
7 h 28 min
